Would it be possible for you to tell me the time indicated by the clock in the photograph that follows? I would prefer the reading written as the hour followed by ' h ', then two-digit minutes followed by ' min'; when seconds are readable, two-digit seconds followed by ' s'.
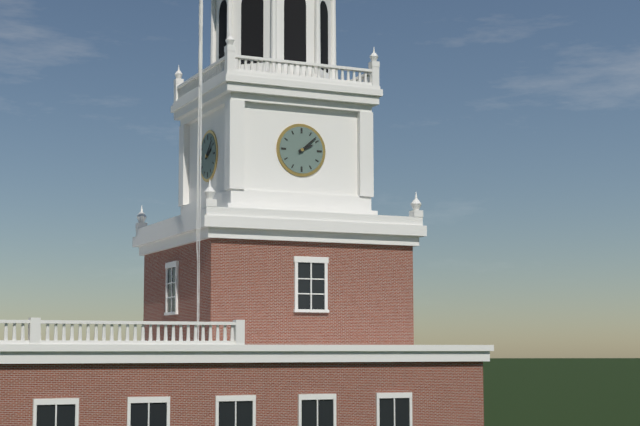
2 h 08 min
